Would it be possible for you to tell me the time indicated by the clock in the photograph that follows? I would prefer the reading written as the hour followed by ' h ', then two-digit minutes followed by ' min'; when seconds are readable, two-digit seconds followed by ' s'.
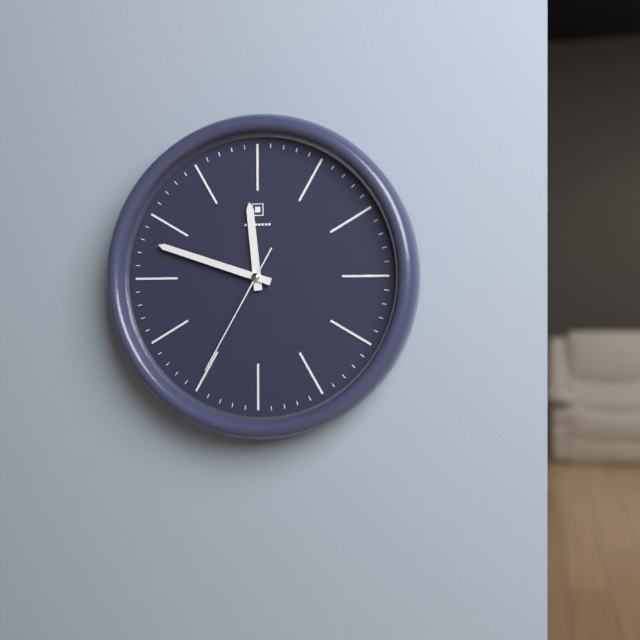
11 h 48 min 35 s
